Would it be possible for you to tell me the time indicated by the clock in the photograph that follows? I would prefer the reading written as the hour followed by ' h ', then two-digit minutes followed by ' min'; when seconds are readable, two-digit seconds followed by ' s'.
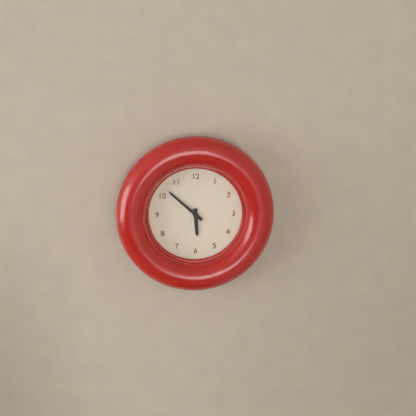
5 h 52 min
